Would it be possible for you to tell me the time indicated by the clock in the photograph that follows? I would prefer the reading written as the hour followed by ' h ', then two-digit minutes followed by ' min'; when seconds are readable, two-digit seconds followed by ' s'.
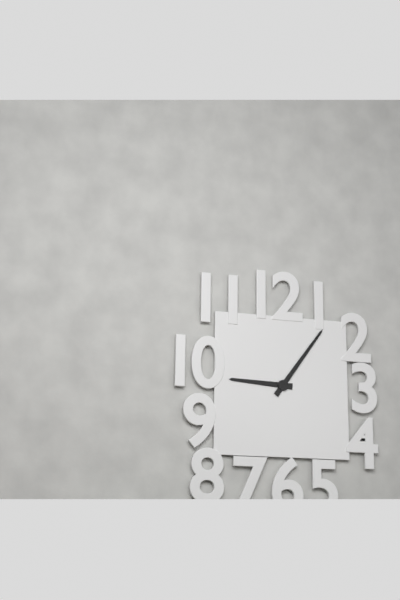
9 h 06 min
